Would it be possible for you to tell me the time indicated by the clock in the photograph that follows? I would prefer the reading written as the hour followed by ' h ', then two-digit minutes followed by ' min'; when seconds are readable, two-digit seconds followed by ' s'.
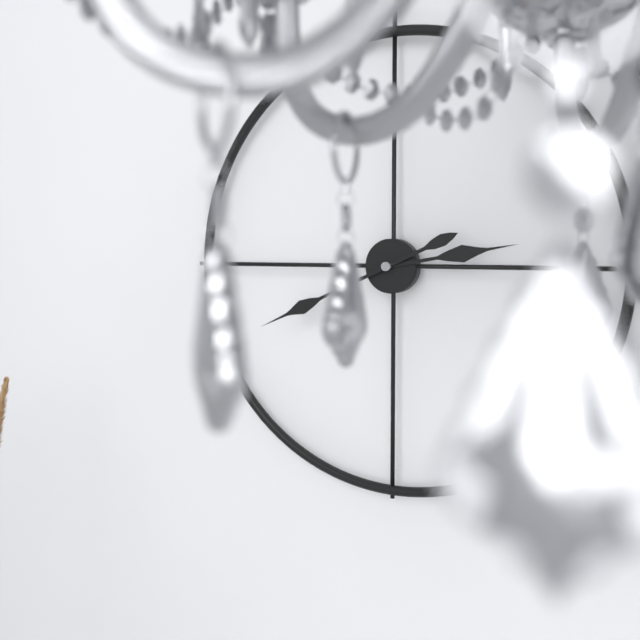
2 h 41 min
